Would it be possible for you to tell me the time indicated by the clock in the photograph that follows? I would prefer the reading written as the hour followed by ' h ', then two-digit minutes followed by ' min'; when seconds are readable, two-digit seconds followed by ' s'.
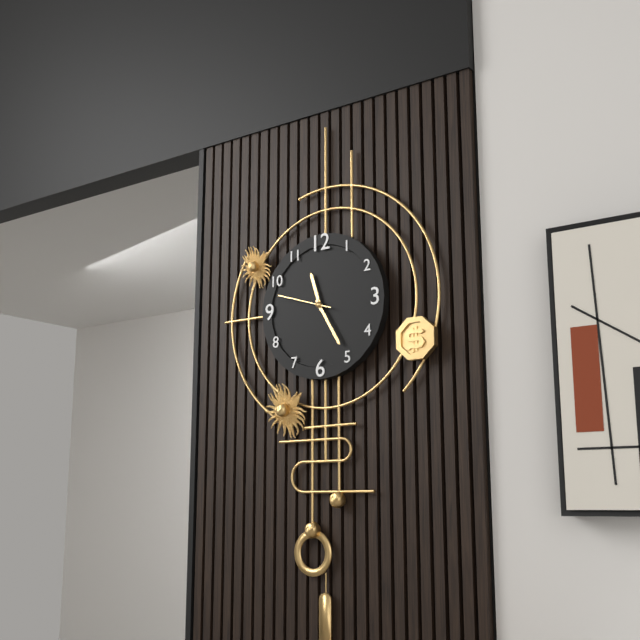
11 h 25 min 48 s
